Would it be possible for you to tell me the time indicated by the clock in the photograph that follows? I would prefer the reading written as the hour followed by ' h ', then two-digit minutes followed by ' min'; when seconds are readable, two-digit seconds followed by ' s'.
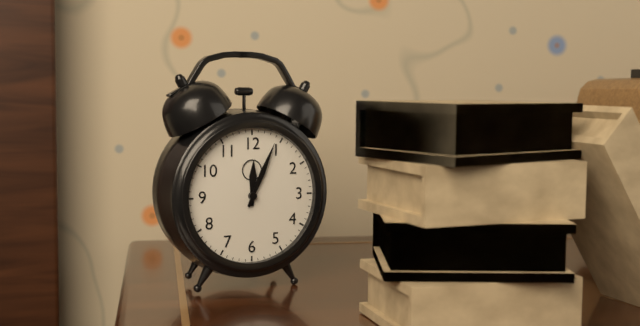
12 h 04 min
